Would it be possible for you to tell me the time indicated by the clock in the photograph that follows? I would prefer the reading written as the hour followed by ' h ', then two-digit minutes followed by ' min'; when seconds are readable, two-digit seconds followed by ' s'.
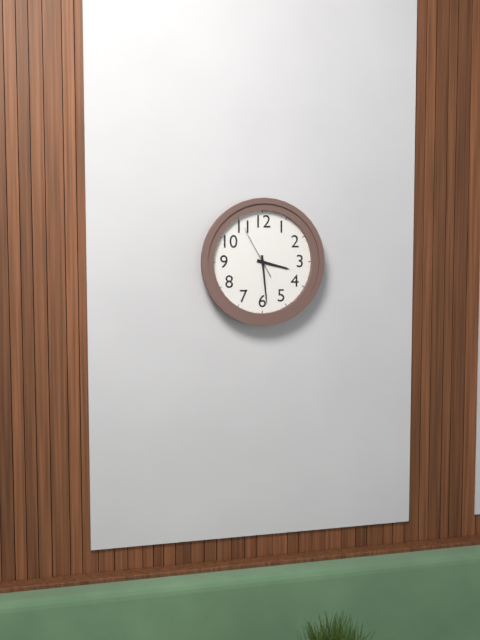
3 h 29 min
